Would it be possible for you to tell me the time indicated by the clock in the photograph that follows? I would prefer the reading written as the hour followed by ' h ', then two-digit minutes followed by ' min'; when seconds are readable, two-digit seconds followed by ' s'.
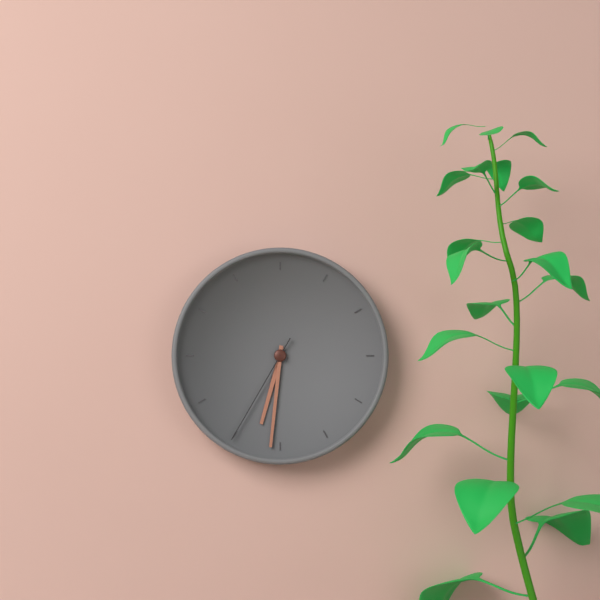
6 h 31 min 35 s
